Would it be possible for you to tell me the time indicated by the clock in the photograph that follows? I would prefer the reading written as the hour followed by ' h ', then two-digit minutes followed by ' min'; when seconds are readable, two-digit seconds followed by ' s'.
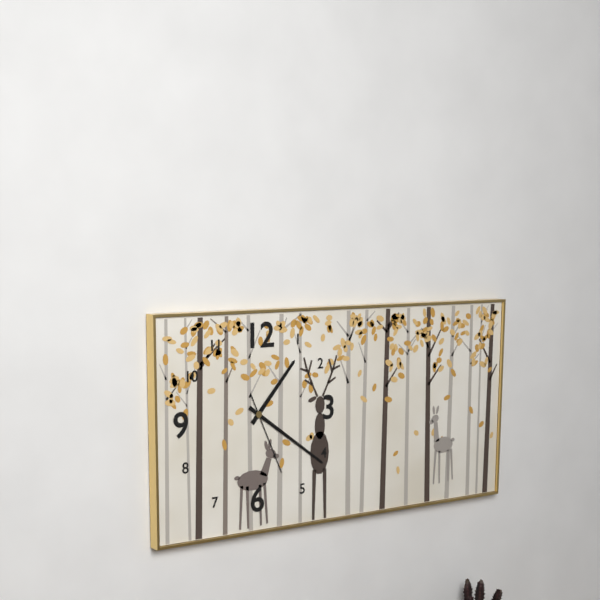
1 h 21 min 26 s
